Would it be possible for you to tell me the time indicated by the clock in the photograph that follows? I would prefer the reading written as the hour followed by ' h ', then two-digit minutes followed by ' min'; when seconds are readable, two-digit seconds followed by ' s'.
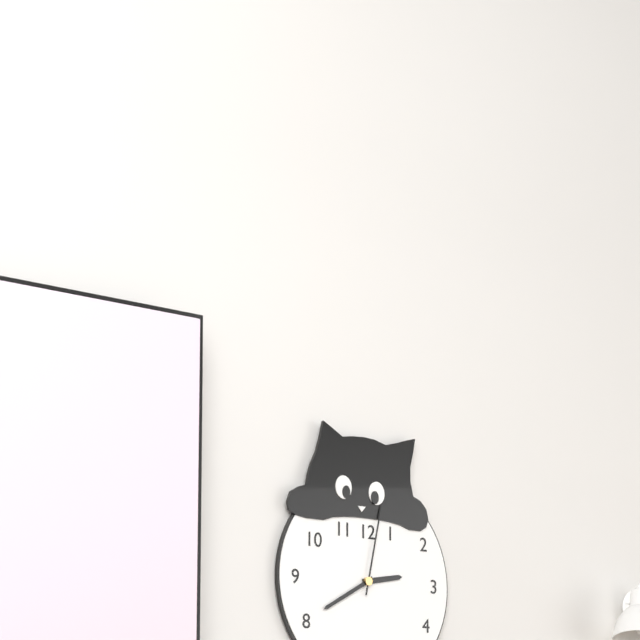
2 h 40 min 02 s
